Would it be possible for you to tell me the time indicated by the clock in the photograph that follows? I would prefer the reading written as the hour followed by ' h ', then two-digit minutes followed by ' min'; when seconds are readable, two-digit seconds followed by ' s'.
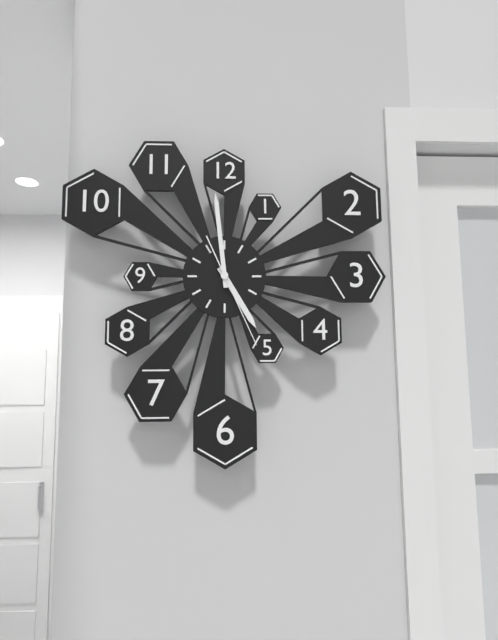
4 h 59 min 26 s
